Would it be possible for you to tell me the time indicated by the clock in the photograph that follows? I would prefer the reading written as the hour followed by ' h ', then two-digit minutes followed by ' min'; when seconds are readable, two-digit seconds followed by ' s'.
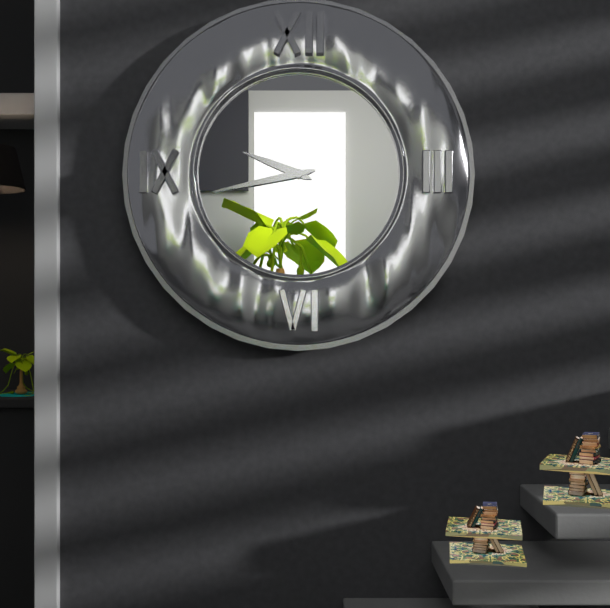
9 h 43 min
